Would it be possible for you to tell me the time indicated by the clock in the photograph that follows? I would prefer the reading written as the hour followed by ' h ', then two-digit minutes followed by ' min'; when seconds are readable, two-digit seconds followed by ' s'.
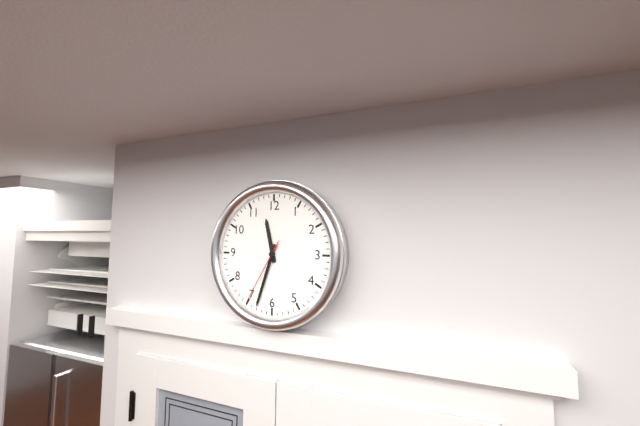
11 h 33 min 35 s
